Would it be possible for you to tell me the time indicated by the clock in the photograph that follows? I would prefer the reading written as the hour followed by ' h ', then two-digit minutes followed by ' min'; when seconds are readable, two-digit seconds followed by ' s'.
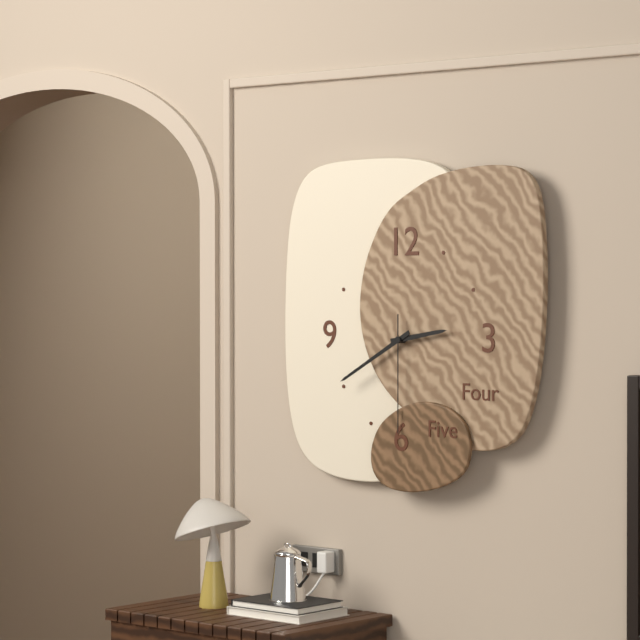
2 h 40 min 30 s
